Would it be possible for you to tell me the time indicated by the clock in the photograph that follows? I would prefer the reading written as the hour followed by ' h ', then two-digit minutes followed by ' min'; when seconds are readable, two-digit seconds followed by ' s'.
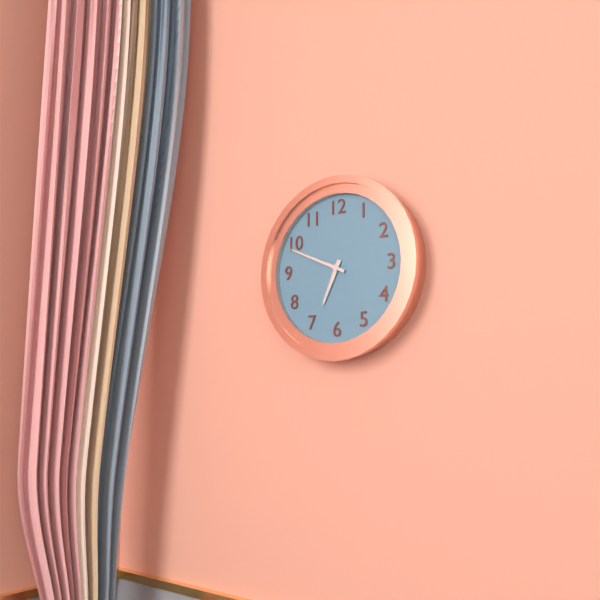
6 h 49 min
